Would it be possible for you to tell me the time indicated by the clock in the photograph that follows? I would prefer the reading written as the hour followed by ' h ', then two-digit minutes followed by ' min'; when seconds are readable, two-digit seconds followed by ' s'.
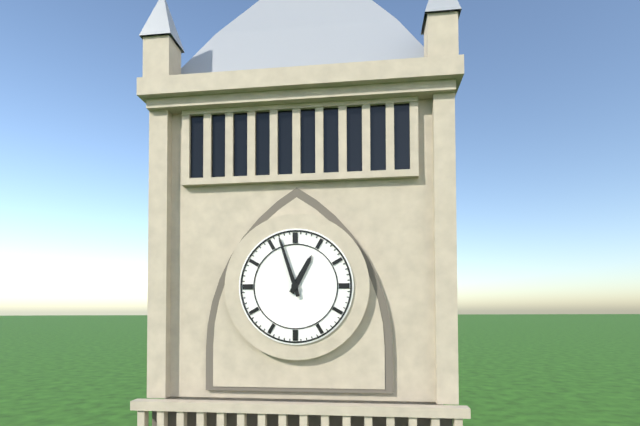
12 h 57 min
